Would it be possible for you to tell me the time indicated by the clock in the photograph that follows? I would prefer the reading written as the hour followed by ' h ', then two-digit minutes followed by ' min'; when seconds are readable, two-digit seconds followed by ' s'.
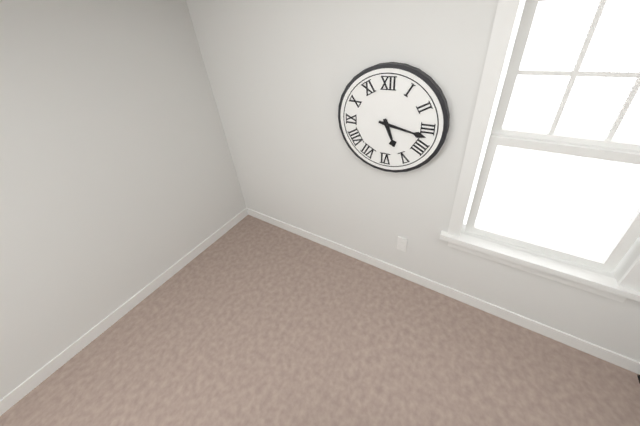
5 h 17 min
